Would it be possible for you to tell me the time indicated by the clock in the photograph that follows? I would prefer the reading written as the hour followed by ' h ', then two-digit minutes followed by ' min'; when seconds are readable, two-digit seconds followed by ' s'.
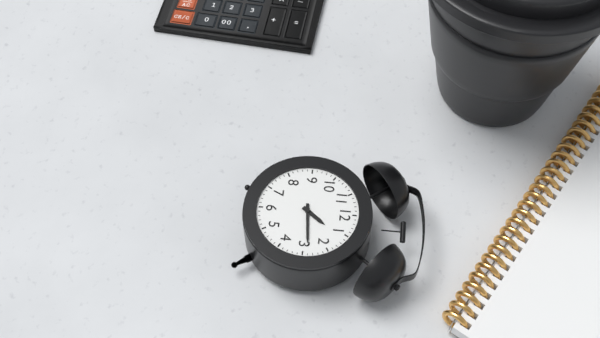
1 h 14 min
